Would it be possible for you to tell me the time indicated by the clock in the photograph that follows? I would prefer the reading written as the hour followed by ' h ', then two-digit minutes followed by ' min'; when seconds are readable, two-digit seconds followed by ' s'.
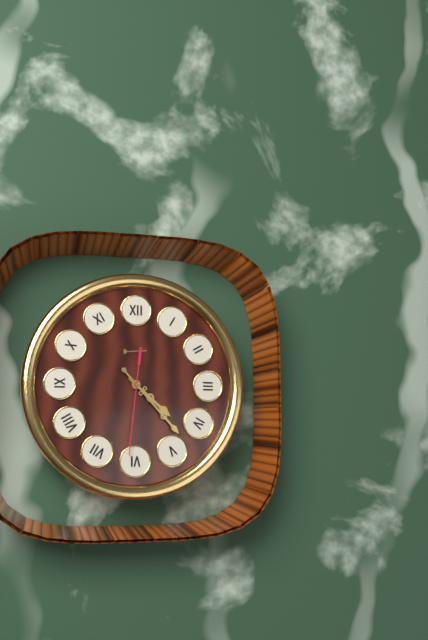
4 h 23 min 31 s
